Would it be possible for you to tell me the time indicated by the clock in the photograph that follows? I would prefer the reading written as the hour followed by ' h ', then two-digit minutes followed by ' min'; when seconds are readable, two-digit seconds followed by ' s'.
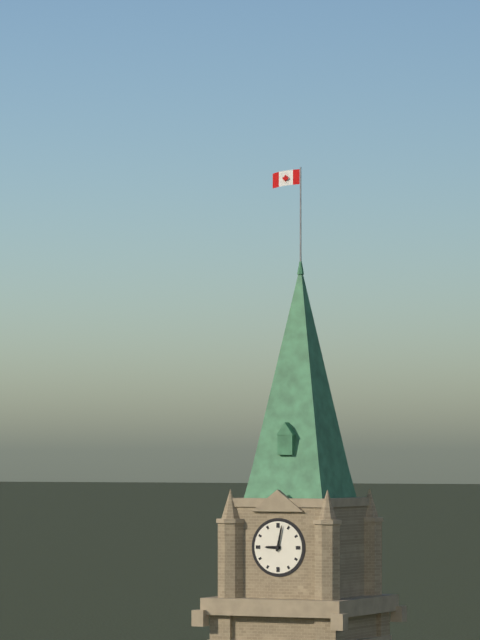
9 h 02 min
